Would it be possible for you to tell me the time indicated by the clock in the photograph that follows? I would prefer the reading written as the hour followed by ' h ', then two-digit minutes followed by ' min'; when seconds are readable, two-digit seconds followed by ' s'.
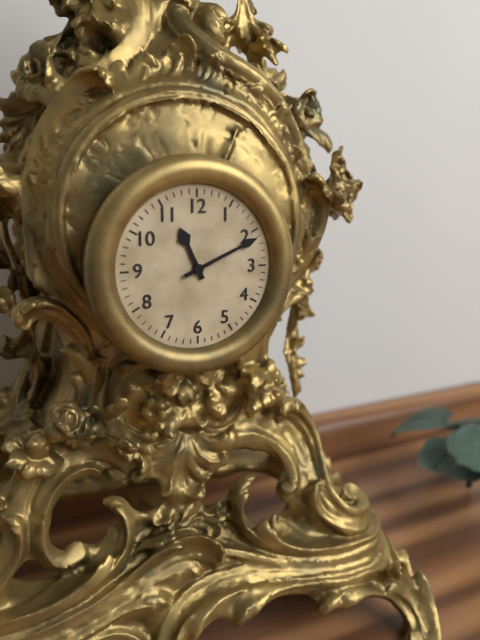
11 h 11 min
